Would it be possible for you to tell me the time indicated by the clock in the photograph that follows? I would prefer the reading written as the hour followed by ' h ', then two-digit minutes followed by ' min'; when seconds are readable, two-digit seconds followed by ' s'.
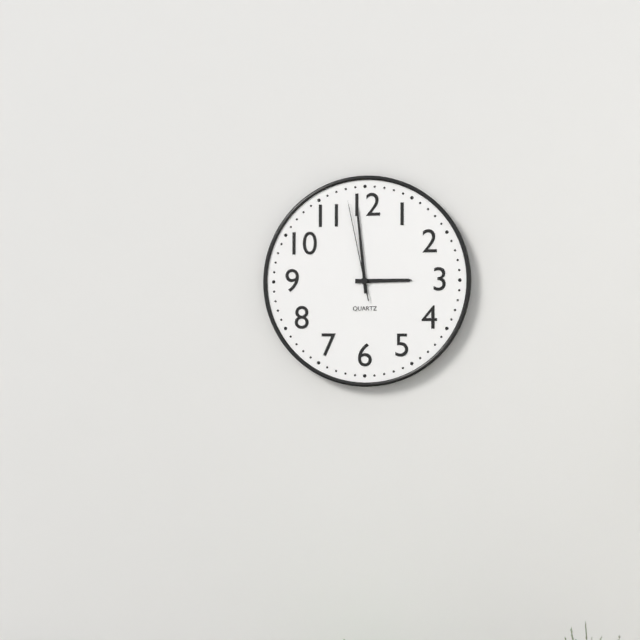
2 h 59 min 58 s
